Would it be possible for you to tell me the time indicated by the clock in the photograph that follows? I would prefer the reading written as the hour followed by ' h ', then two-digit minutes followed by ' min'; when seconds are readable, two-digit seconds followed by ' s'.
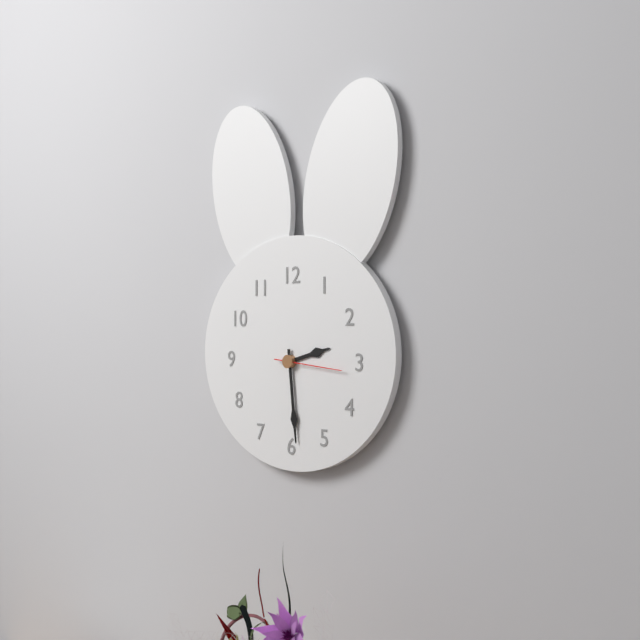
2 h 29 min 16 s
